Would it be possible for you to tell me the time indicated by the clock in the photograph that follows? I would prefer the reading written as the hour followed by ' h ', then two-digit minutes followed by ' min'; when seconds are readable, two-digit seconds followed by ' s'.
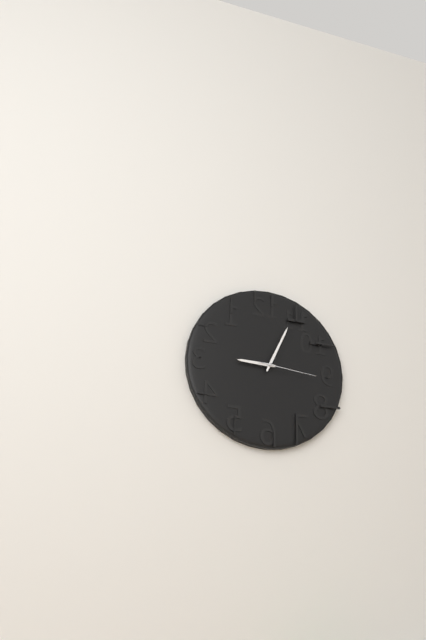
9 h 04 min 16 s
